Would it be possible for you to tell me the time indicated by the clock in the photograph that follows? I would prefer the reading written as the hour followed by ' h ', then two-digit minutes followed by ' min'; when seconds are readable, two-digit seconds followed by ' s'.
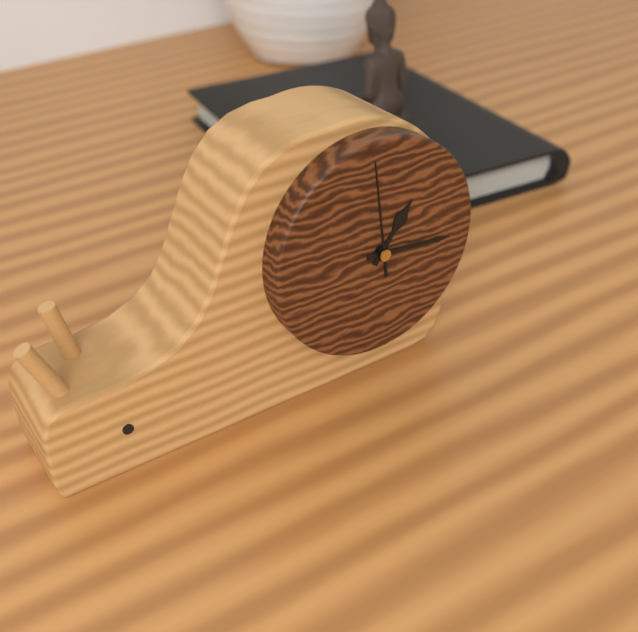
1 h 16 min 59 s
